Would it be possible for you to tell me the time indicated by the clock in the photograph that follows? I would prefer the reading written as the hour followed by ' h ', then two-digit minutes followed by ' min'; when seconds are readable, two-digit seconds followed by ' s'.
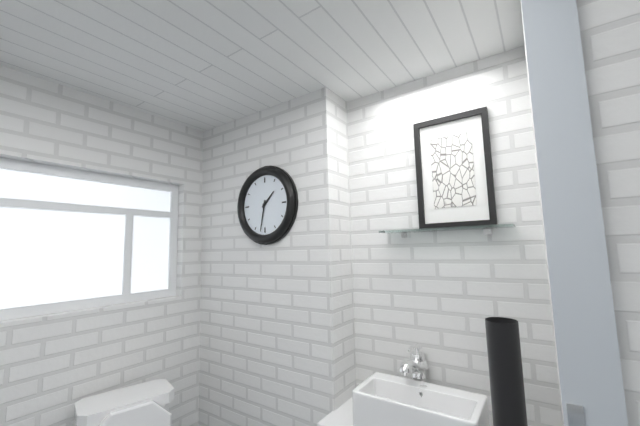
1 h 32 min
